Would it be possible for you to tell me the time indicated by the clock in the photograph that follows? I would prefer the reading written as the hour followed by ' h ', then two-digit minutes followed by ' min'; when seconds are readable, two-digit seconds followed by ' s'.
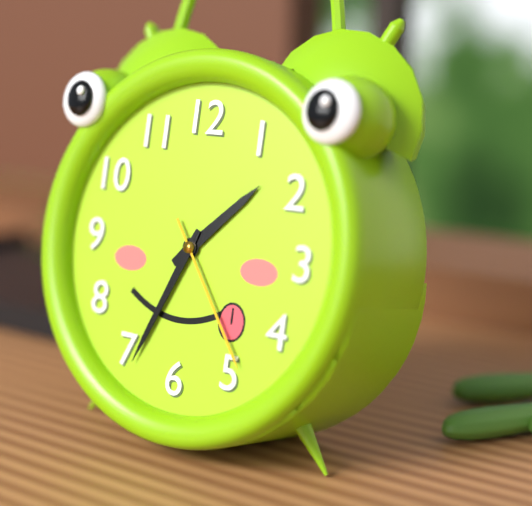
1 h 34 min 24 s
